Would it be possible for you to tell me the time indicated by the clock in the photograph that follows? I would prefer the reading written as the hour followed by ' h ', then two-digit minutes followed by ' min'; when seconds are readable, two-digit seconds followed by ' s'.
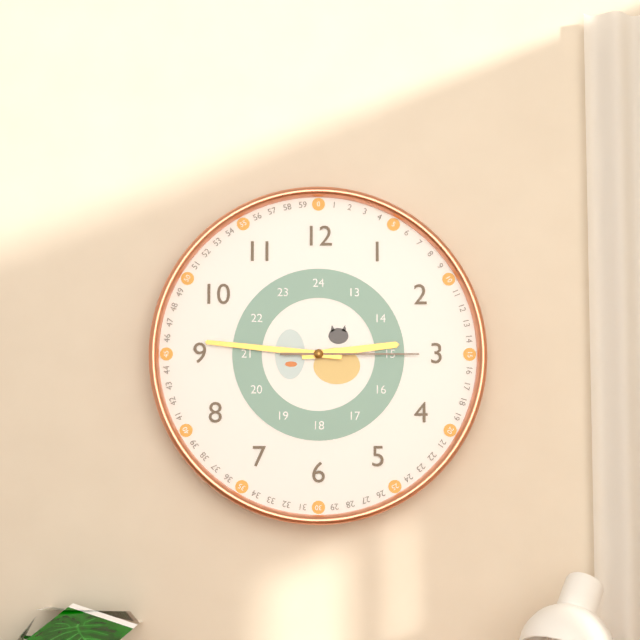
2 h 46 min 15 s
